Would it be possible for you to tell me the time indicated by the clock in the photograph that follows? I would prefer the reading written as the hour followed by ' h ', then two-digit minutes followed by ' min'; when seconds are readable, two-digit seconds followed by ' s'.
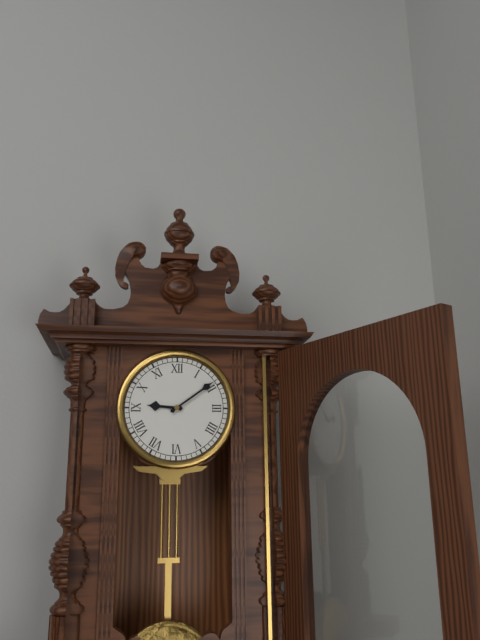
9 h 09 min
